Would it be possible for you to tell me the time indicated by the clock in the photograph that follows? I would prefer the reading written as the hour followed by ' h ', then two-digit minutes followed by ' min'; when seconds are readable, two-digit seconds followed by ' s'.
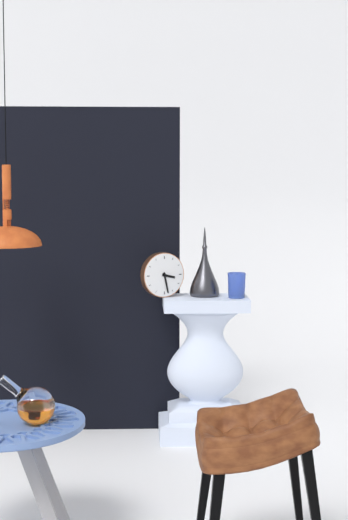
3 h 28 min
